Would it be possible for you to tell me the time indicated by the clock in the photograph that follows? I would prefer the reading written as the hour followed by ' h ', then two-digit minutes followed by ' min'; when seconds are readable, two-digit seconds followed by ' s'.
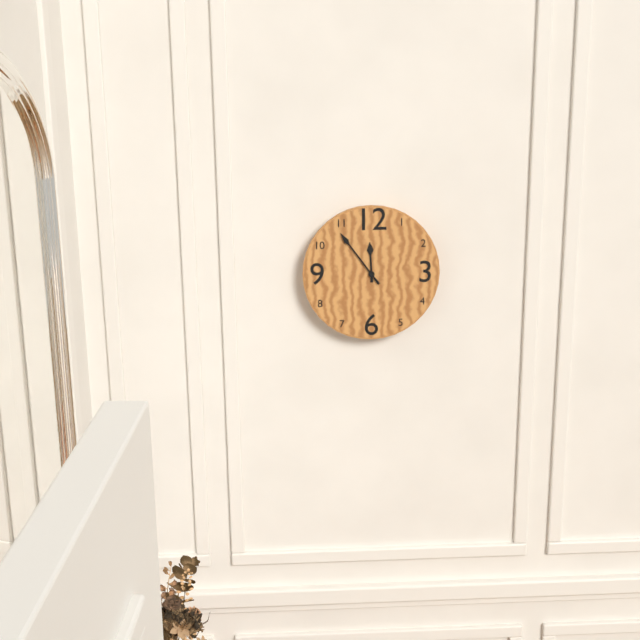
11 h 54 min
